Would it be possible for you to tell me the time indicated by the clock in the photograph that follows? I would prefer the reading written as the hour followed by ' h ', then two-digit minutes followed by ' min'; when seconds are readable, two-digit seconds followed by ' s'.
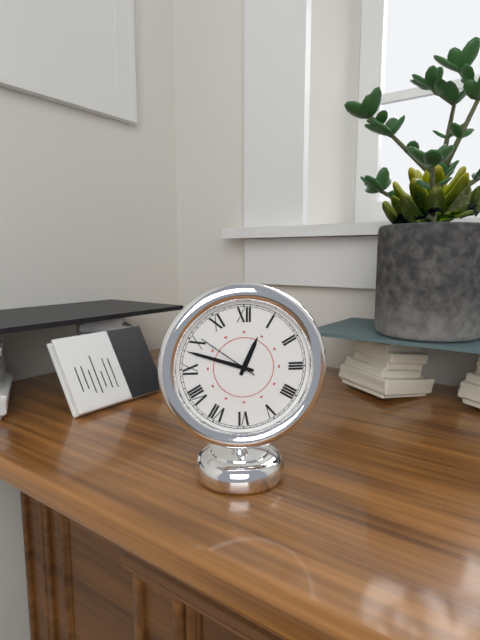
12 h 48 min 51 s
